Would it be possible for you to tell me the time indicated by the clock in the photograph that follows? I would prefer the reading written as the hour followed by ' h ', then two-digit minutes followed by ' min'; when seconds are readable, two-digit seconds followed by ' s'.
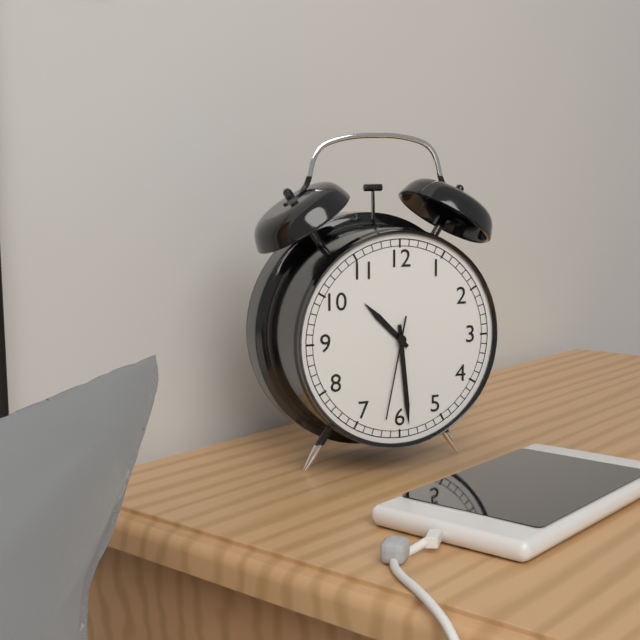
10 h 29 min 32 s
